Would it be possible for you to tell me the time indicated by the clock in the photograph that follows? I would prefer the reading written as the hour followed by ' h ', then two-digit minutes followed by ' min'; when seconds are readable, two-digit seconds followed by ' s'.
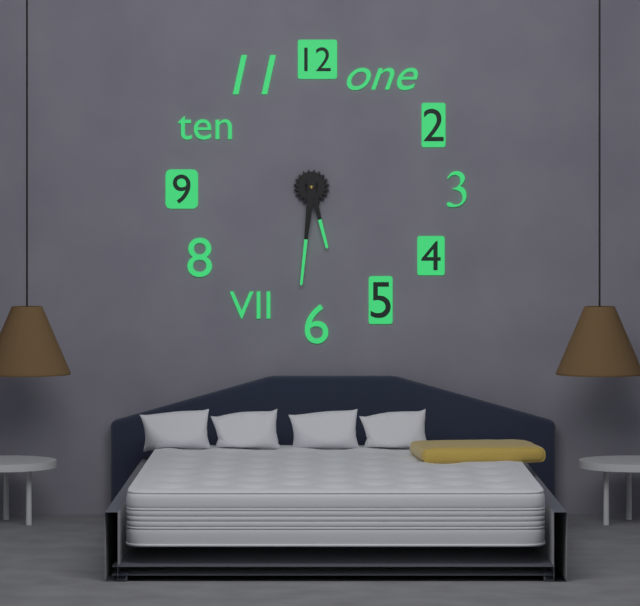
5 h 31 min
